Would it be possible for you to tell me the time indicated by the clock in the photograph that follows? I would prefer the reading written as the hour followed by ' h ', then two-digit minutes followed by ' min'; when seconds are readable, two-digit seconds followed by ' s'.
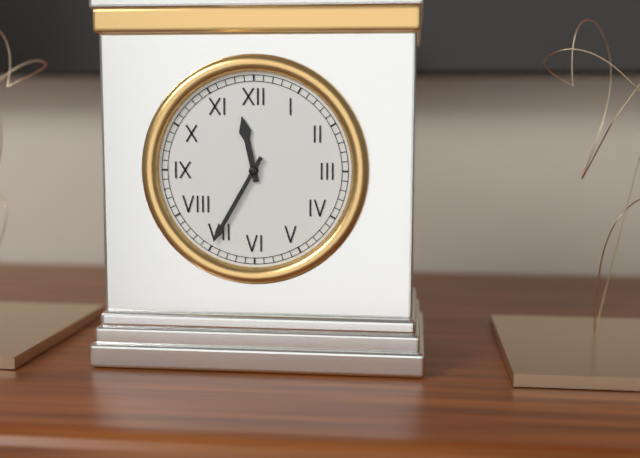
11 h 35 min
